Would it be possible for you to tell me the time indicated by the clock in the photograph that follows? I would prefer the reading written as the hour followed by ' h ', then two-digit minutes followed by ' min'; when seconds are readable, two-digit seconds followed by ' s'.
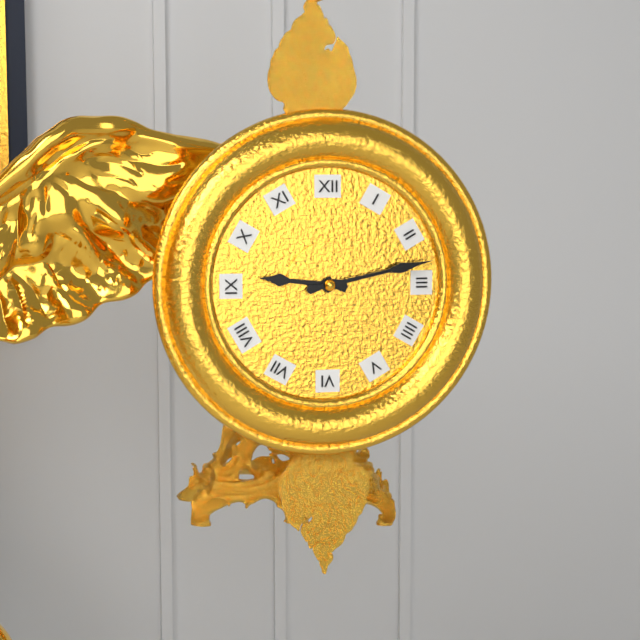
9 h 13 min
